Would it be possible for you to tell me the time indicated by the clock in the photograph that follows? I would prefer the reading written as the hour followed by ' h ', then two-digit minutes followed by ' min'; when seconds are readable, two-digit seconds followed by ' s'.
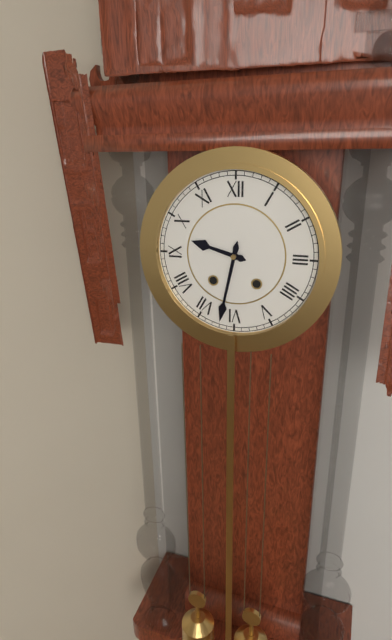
9 h 32 min
